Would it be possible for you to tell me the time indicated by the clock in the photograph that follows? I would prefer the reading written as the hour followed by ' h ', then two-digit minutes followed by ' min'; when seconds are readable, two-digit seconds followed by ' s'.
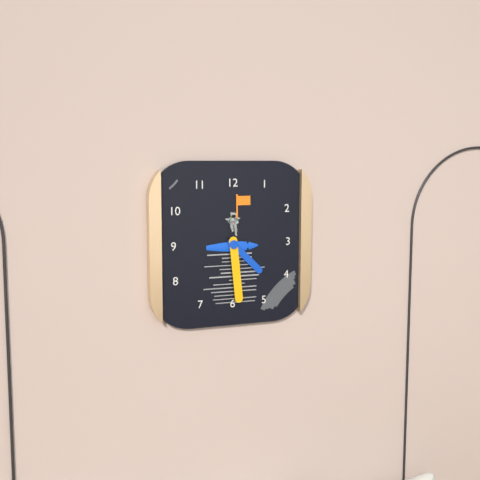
4 h 29 min
